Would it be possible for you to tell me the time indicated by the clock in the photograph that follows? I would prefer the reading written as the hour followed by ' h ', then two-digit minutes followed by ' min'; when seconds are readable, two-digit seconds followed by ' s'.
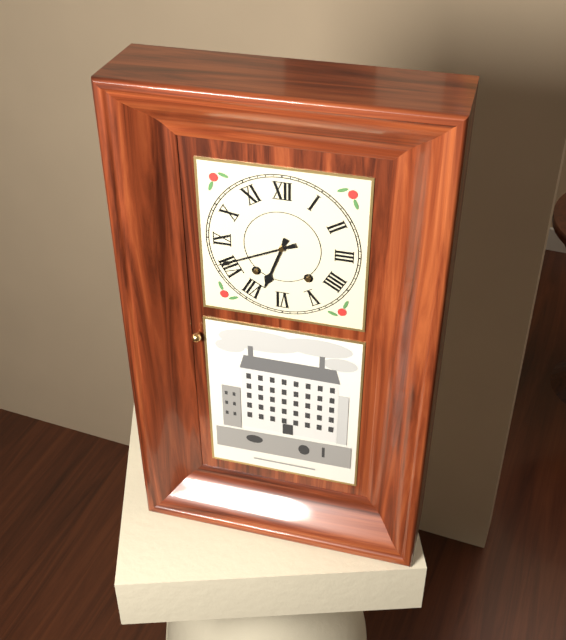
6 h 41 min
